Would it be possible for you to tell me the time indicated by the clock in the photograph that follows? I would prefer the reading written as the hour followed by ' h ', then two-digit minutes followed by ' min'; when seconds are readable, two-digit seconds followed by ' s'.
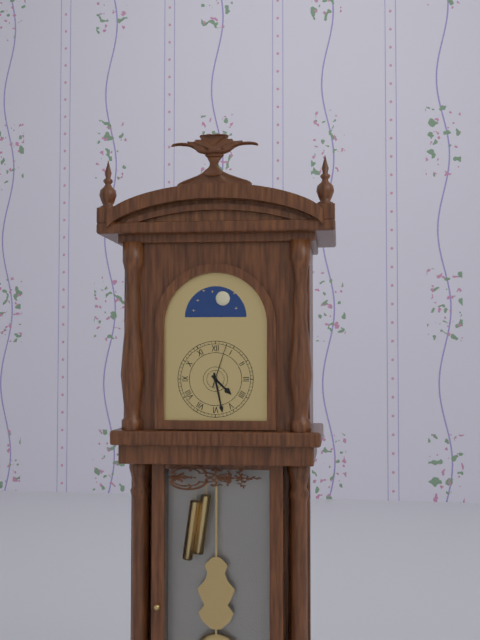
4 h 28 min
